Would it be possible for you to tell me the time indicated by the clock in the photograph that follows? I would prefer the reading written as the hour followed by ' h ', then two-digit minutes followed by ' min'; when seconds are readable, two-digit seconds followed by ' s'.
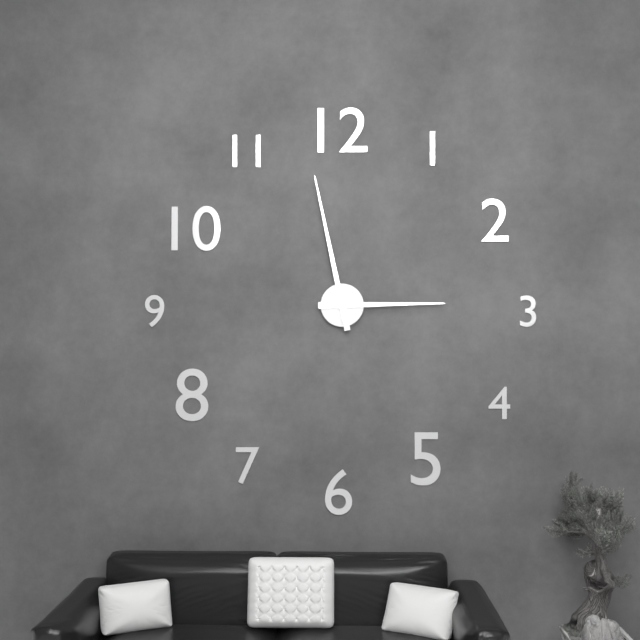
2 h 58 min
